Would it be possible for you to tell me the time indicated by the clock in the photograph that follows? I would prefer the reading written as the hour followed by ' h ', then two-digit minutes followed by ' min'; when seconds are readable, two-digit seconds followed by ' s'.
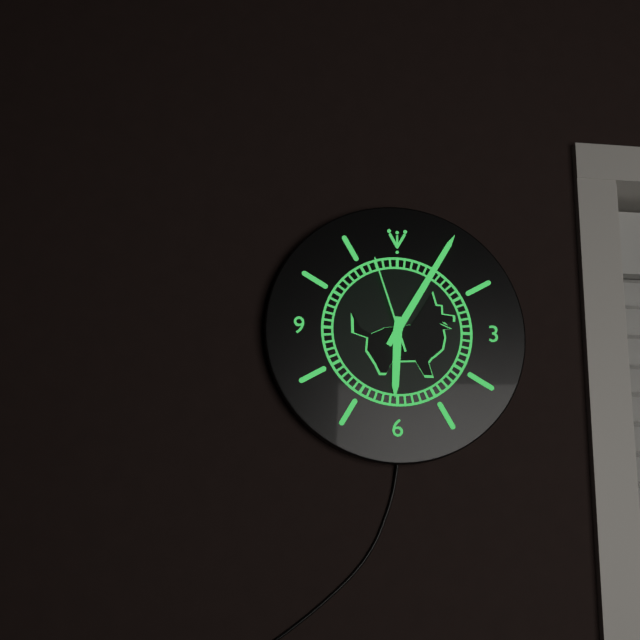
6 h 05 min 57 s
